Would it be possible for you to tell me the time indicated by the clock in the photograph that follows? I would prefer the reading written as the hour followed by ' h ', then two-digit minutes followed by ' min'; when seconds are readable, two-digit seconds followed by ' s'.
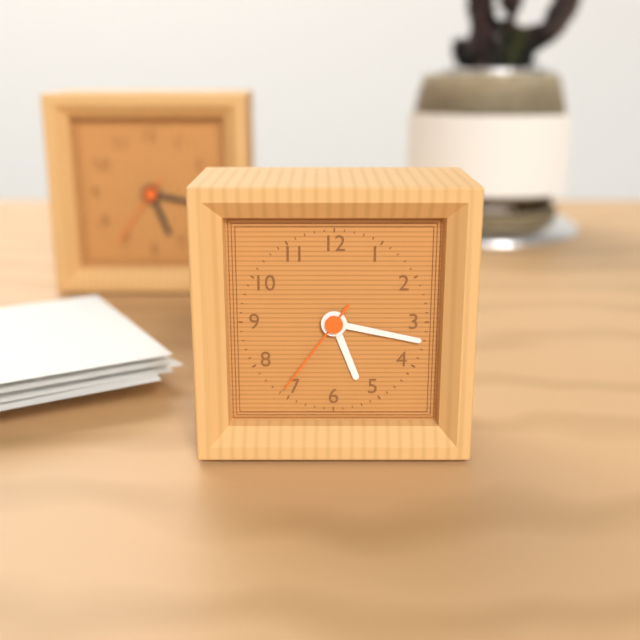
5 h 17 min 36 s
